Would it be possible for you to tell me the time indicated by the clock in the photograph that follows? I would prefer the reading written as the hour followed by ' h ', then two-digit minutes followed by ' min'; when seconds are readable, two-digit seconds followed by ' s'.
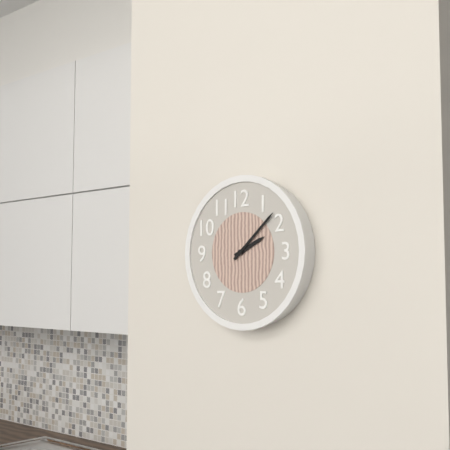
2 h 08 min
